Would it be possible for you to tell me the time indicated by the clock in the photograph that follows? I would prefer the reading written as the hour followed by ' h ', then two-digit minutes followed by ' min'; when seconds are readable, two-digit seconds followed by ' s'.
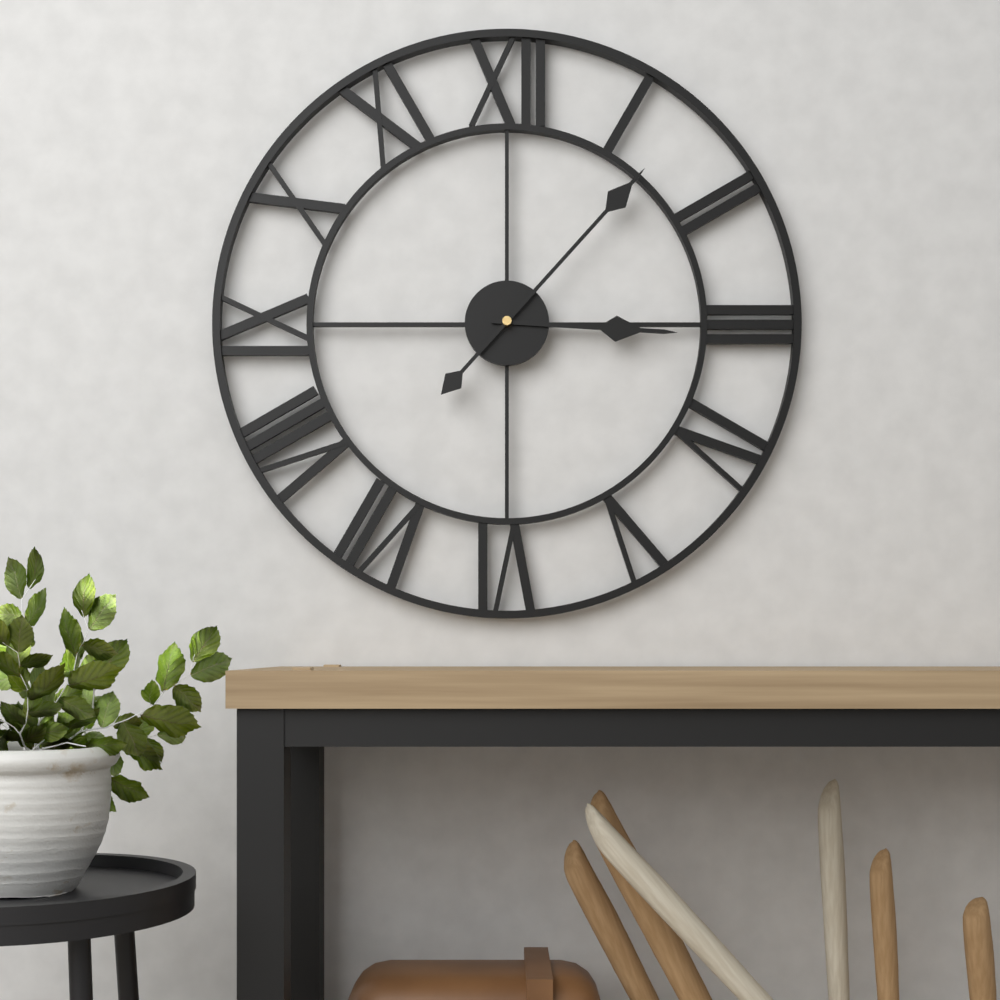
3 h 07 min
